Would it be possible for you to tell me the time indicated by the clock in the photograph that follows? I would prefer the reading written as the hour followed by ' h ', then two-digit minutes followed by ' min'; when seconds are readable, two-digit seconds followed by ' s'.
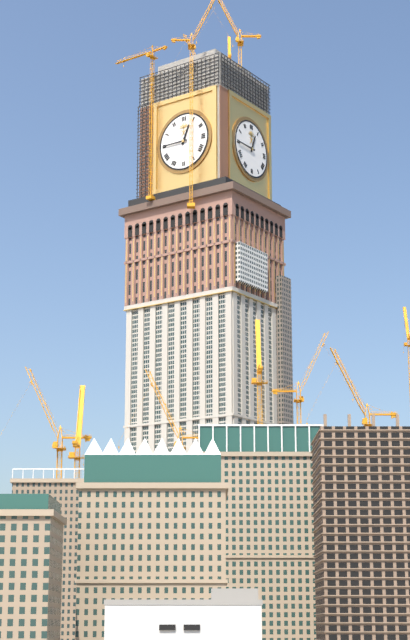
12 h 45 min
